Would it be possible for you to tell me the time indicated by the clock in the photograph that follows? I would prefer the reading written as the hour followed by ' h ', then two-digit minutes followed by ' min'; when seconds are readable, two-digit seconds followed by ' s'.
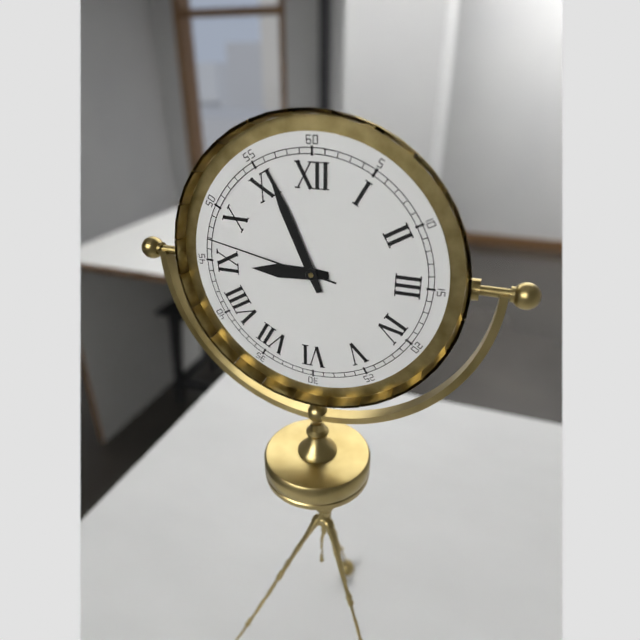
8 h 56 min 47 s
